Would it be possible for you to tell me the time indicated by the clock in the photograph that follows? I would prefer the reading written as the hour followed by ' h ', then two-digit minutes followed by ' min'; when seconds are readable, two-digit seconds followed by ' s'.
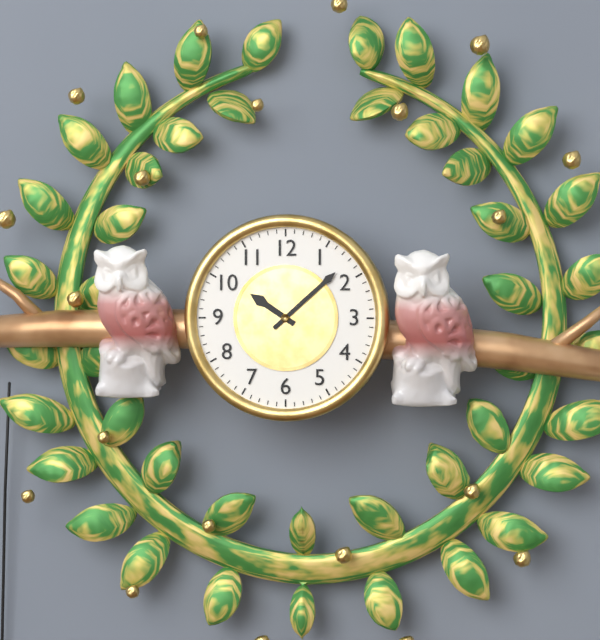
10 h 08 min
